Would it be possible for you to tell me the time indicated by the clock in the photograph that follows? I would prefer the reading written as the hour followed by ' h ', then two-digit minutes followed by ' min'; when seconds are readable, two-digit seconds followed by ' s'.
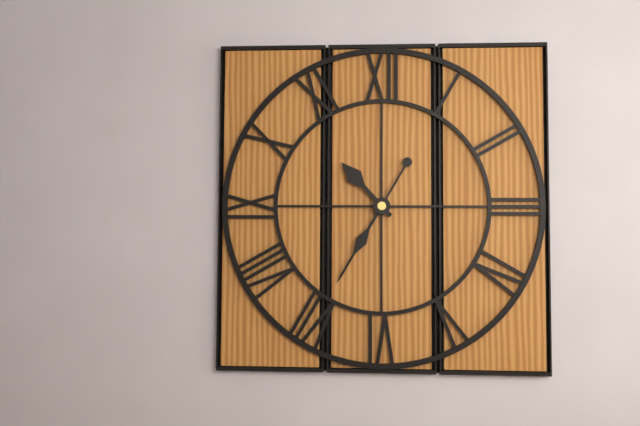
10 h 35 min
